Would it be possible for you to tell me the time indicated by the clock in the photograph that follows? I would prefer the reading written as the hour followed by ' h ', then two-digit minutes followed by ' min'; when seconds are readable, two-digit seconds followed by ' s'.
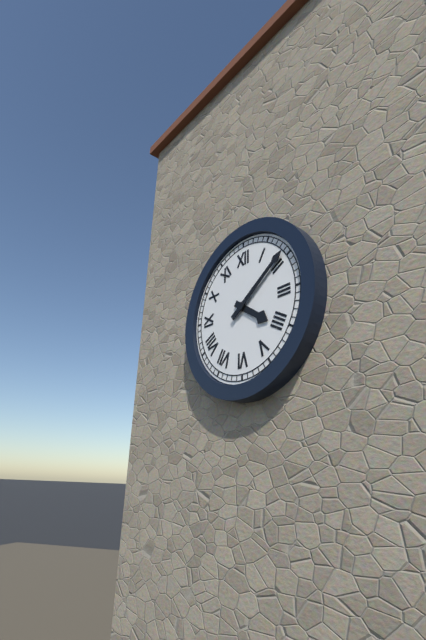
4 h 09 min
